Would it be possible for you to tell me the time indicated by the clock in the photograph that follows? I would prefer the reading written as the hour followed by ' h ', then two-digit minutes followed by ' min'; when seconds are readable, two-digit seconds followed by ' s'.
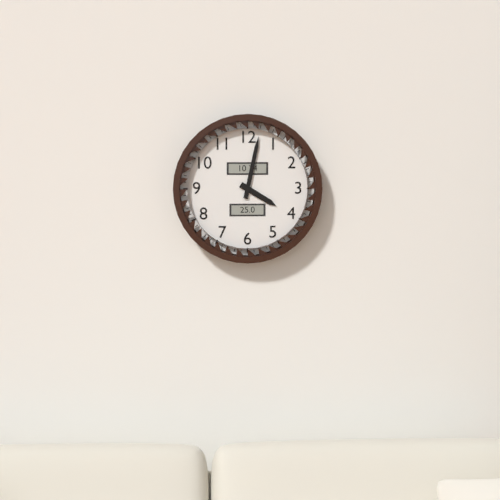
4 h 02 min
